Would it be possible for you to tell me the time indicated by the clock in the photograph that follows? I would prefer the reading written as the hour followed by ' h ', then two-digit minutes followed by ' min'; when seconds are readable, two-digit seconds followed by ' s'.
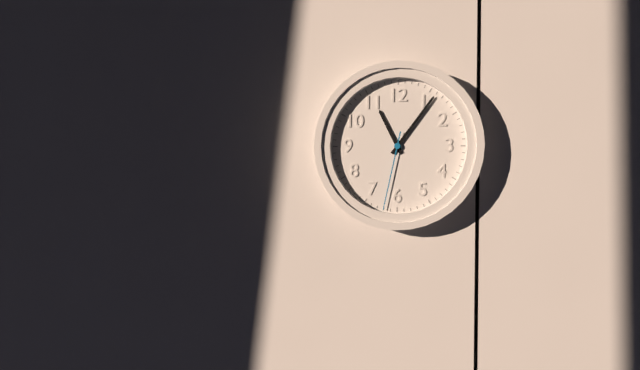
11 h 06 min 32 s
